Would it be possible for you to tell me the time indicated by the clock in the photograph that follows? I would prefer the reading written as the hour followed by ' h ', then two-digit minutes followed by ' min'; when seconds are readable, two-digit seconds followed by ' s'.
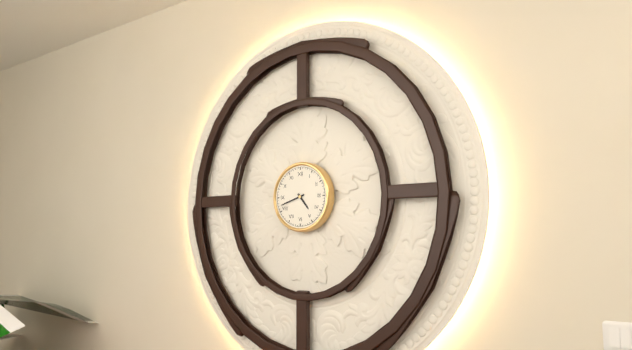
4 h 42 min
